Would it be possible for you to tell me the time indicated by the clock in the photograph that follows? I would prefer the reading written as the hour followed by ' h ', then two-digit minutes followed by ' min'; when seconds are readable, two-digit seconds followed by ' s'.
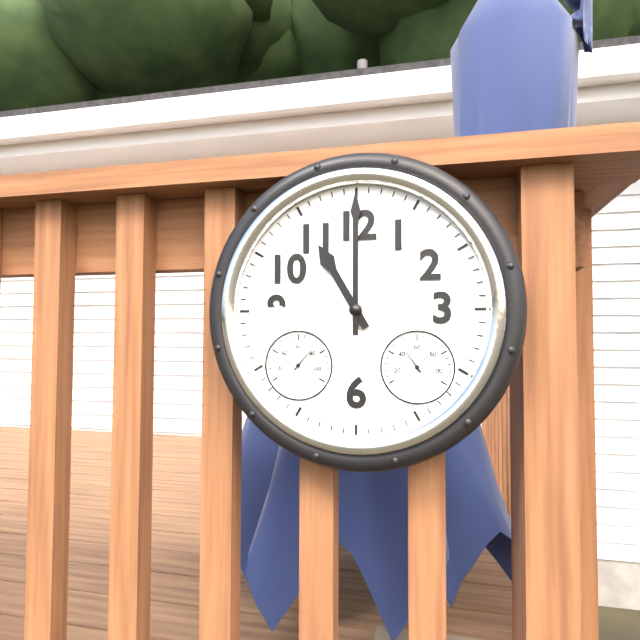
11 h 00 min
